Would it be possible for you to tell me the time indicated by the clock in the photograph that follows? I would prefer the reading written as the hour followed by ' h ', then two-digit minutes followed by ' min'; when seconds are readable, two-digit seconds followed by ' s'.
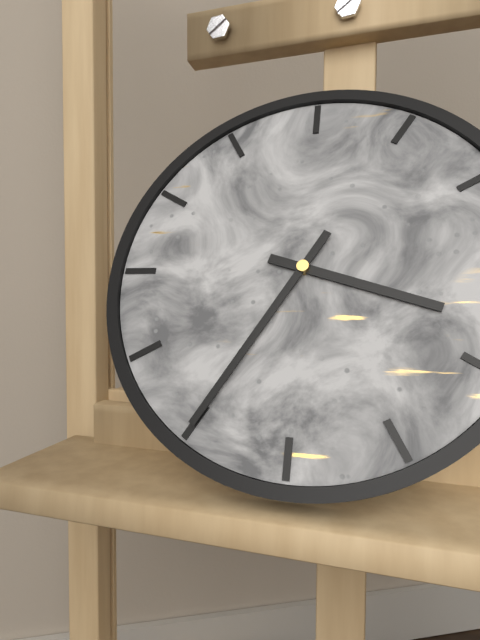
3 h 35 min
